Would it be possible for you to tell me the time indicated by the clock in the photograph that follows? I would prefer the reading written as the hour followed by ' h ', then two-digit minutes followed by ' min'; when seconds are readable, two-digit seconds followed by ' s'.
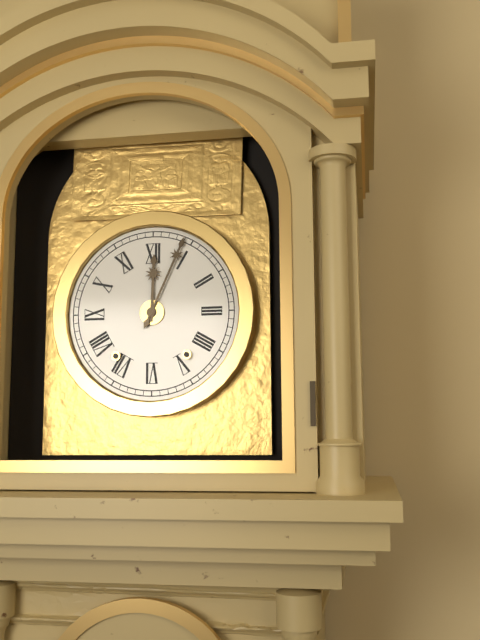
12 h 04 min
